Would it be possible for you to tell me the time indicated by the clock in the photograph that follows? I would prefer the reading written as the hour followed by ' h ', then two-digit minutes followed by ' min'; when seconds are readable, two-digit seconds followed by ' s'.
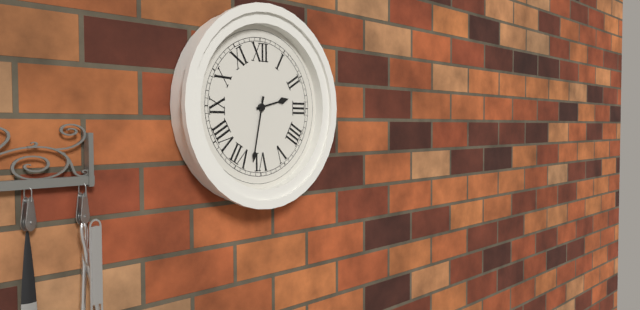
2 h 32 min
